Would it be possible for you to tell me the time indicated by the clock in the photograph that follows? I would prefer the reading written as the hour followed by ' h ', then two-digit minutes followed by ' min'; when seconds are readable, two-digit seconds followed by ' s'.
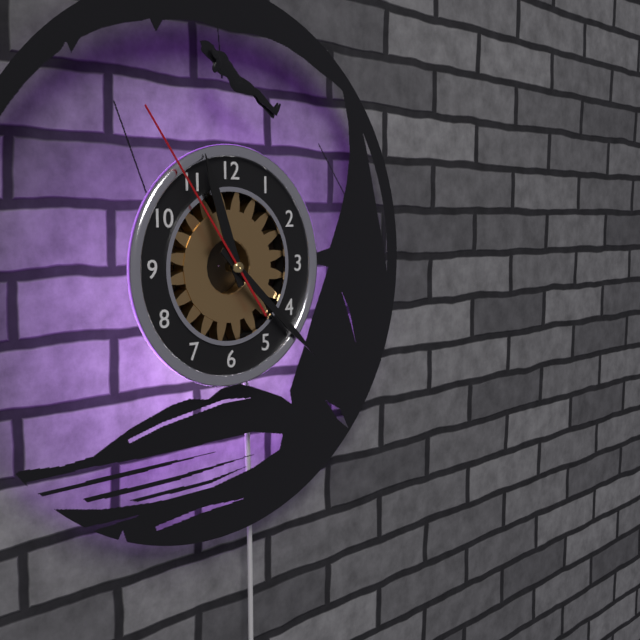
11 h 22 min 54 s
